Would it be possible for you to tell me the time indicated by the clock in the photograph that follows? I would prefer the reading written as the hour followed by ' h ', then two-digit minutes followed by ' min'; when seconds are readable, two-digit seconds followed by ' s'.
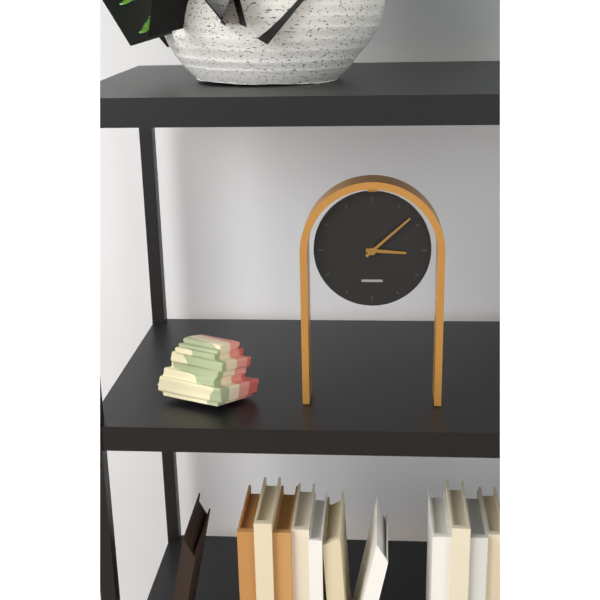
3 h 08 min
